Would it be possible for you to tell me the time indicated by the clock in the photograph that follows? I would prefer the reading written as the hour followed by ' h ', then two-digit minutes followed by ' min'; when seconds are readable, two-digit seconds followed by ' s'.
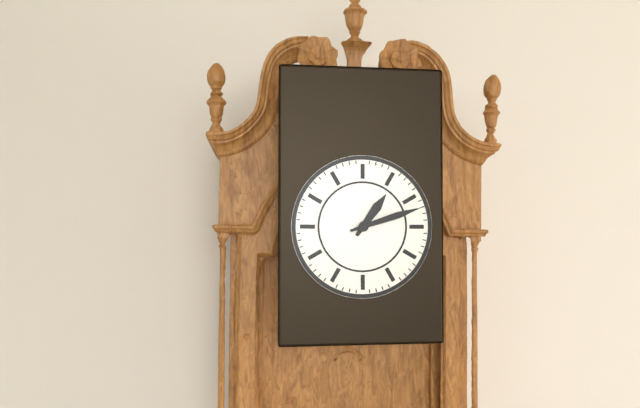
1 h 12 min
